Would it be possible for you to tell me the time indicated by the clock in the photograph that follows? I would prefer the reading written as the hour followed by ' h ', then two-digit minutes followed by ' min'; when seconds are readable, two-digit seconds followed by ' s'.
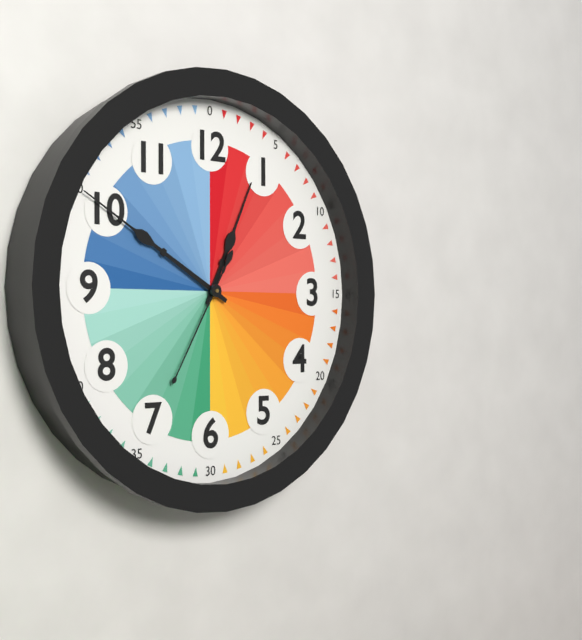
12 h 50 min 35 s
